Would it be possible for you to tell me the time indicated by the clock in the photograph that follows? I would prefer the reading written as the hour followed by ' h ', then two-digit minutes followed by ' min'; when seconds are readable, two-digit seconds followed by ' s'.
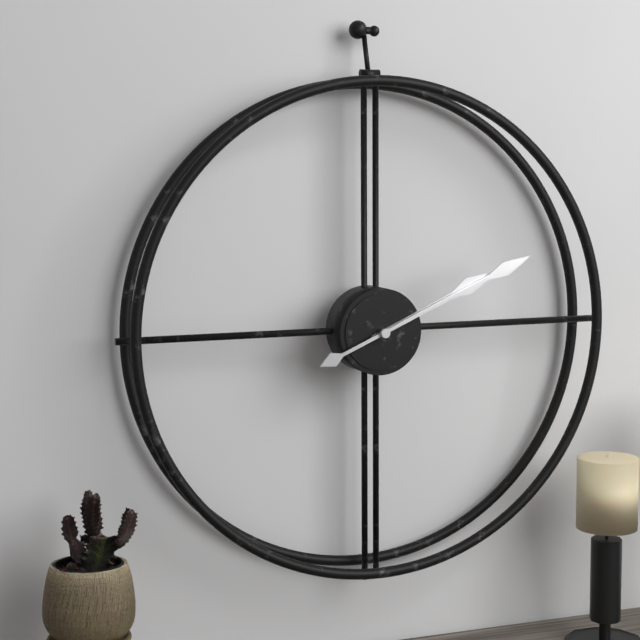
2 h 11 min
